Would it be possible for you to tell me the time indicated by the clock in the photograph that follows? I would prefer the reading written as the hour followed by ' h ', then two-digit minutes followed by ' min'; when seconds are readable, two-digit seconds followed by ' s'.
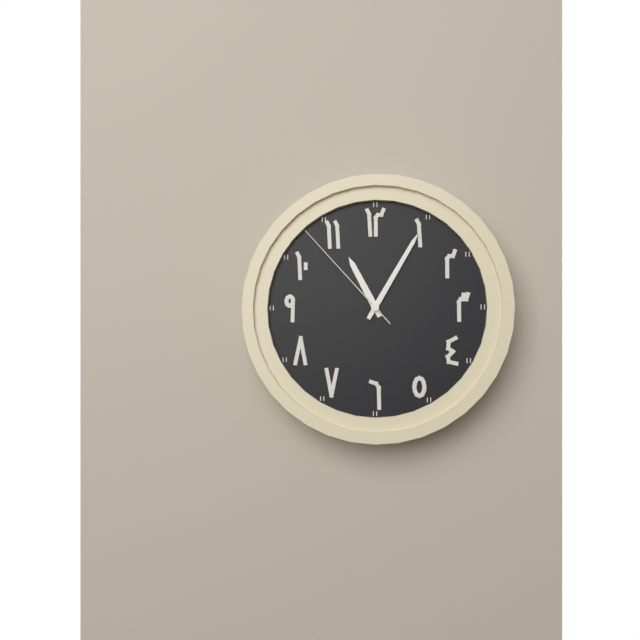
11 h 05 min 53 s
